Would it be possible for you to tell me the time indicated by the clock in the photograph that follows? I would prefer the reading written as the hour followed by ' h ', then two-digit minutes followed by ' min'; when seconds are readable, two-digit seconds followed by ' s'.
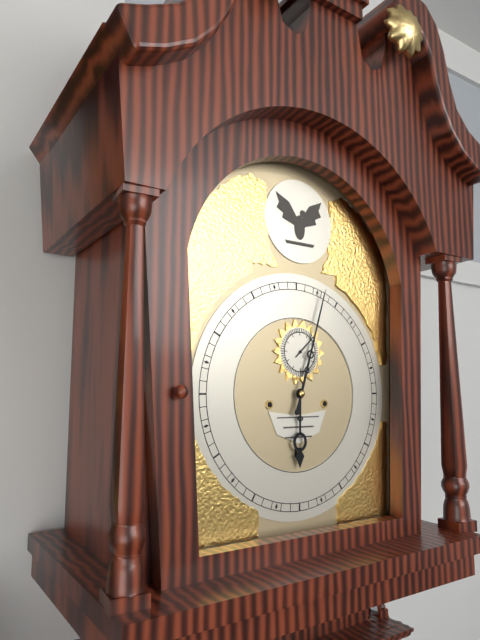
6 h 03 min
